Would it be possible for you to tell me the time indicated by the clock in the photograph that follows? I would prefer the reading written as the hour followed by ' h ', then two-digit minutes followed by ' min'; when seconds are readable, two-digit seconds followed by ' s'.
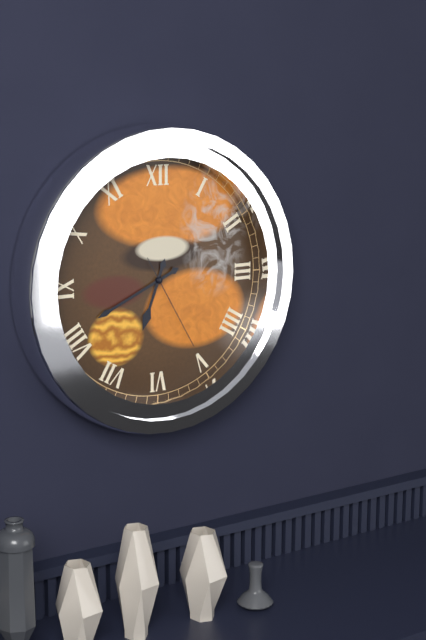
6 h 41 min 25 s
